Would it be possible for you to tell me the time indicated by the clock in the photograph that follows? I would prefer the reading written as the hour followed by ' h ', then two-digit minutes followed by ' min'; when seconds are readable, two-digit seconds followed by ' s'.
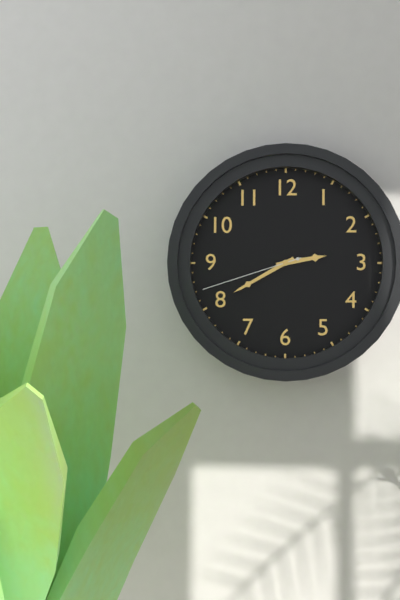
2 h 40 min 42 s
